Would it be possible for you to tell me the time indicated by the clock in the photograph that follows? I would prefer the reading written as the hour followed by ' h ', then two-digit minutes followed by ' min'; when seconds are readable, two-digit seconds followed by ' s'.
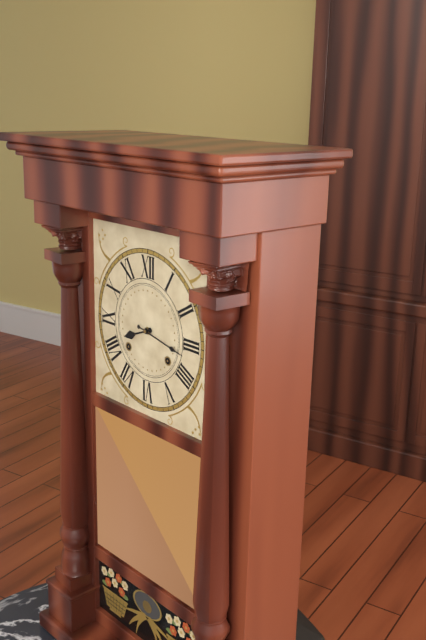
8 h 17 min
